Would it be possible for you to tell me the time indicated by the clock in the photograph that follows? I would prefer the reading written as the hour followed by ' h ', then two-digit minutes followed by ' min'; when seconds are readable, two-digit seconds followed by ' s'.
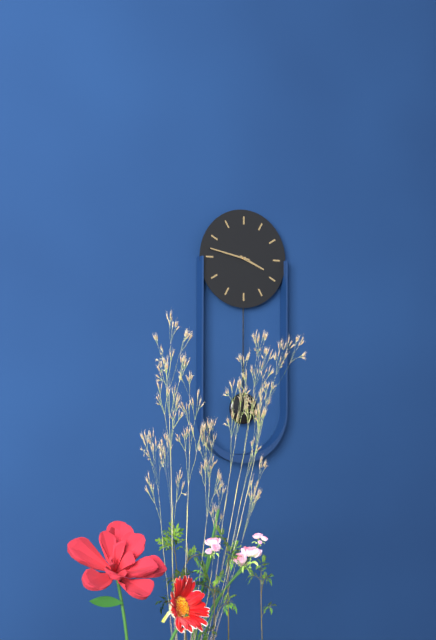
3 h 47 min
